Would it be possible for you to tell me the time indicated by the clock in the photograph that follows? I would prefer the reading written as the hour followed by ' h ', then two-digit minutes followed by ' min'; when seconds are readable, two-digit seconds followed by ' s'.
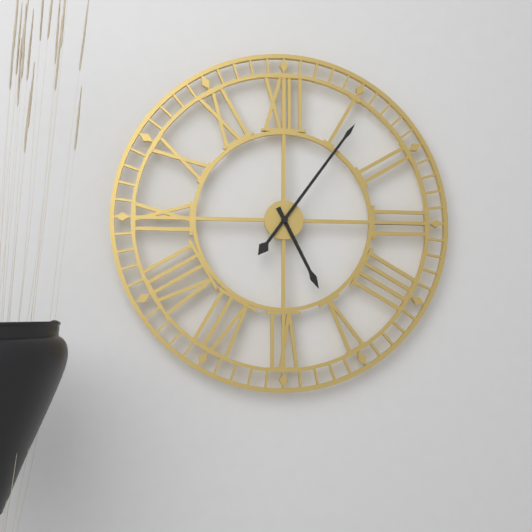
5 h 06 min
